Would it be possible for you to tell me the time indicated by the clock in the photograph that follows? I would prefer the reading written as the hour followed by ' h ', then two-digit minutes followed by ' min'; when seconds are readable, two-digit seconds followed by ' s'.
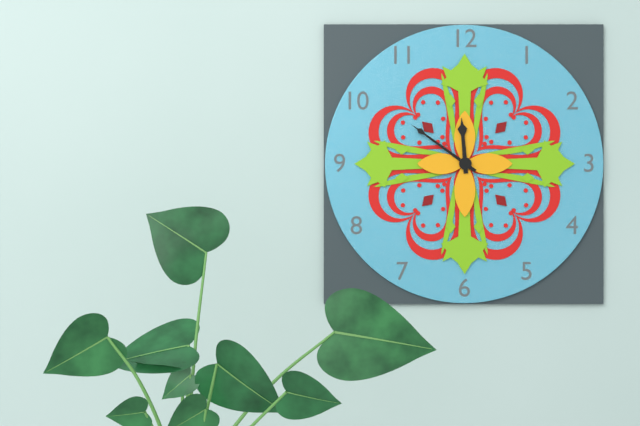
11 h 51 min
